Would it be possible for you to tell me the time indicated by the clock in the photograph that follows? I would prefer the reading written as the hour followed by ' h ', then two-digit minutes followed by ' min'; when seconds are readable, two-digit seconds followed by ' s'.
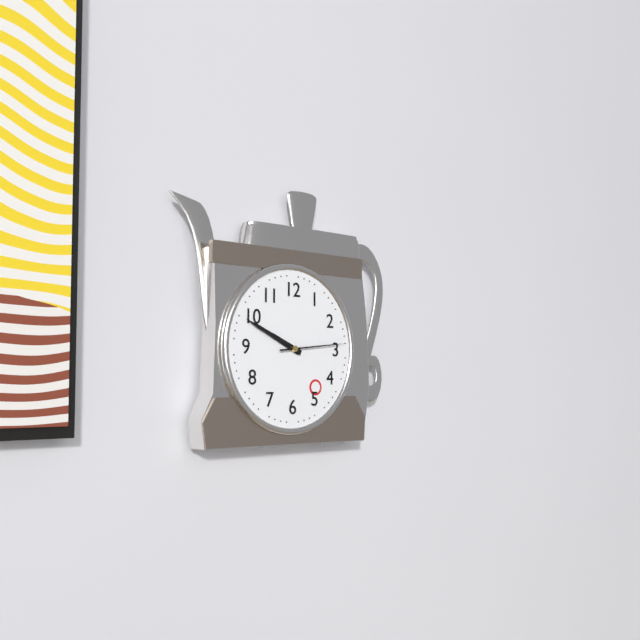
9 h 49 min 14 s
